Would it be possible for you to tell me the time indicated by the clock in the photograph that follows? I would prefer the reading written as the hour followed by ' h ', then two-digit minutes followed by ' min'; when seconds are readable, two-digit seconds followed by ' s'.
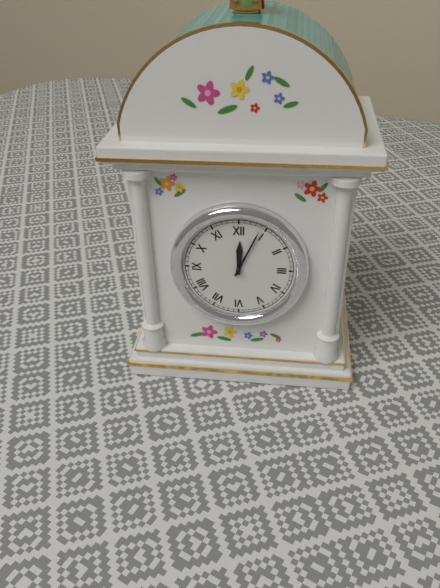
12 h 04 min
